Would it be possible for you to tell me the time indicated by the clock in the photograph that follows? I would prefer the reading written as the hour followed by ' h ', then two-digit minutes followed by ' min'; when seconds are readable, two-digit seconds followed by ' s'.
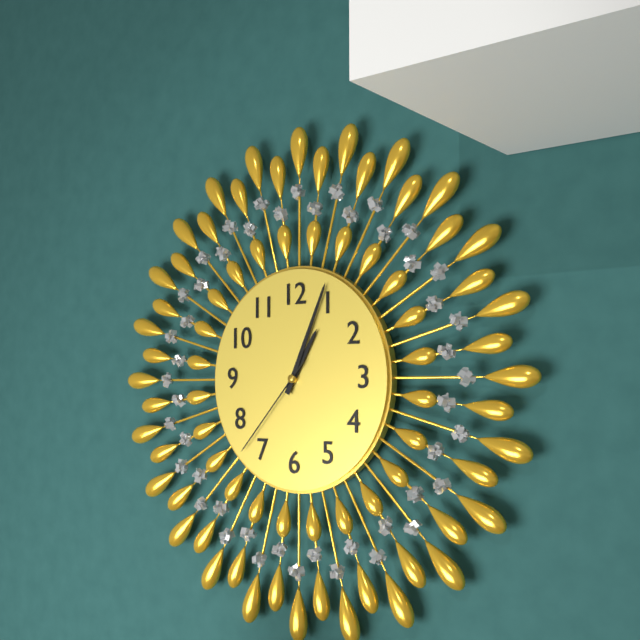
1 h 04 min 37 s
